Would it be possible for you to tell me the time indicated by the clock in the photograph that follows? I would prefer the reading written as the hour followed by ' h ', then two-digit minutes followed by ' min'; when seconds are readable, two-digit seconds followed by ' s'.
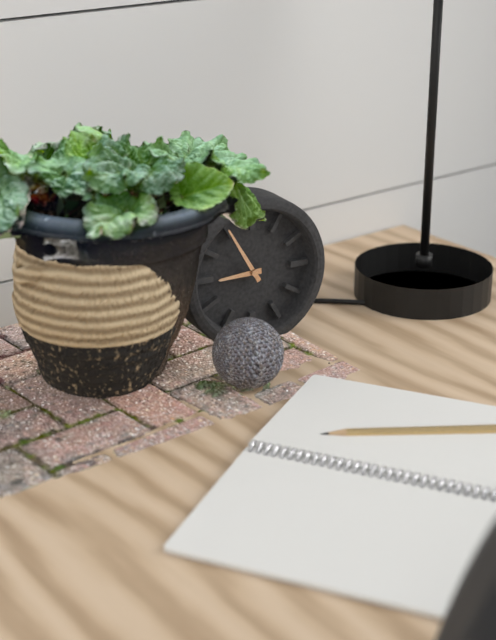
8 h 55 min
